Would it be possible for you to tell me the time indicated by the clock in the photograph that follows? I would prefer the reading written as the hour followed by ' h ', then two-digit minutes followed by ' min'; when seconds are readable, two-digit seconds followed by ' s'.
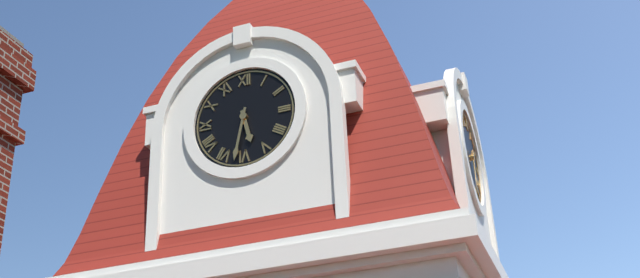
5 h 32 min
